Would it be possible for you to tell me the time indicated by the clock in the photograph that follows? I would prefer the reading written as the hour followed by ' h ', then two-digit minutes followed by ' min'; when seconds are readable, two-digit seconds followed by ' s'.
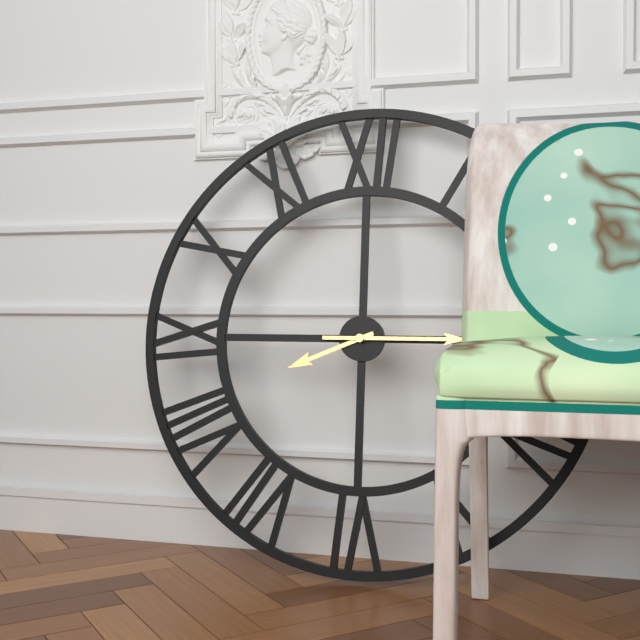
8 h 15 min
